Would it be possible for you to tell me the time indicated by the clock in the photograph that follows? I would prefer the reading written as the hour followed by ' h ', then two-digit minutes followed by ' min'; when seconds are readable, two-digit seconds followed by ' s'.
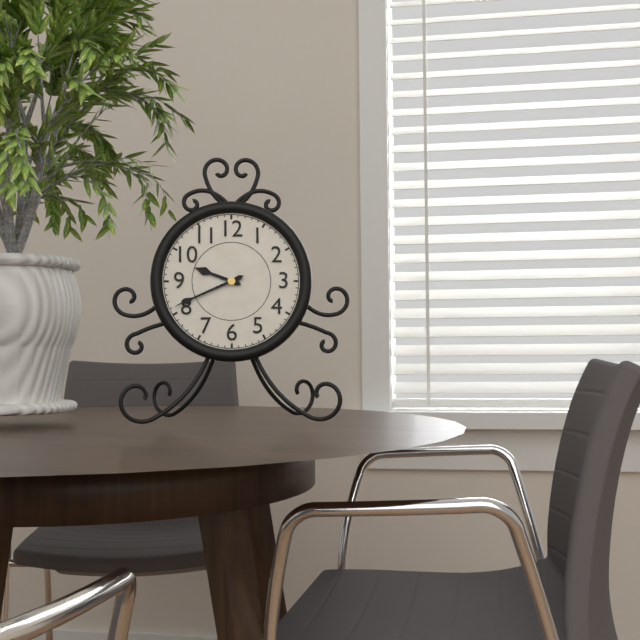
9 h 41 min
